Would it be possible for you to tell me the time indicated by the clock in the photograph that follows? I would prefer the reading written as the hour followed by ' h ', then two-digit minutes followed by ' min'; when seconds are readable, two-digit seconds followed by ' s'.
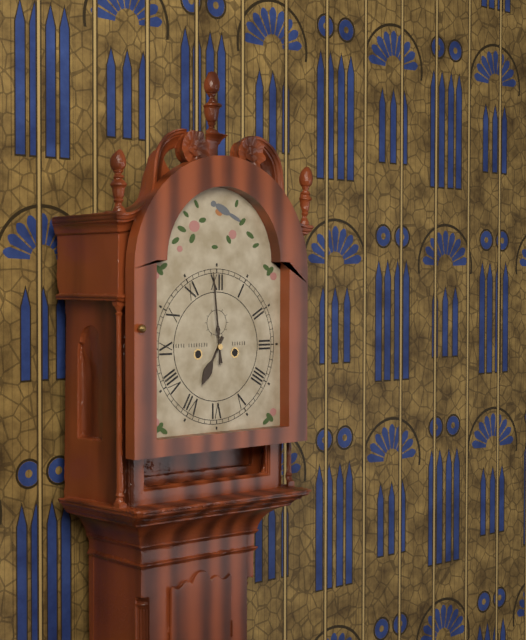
6 h 59 min
